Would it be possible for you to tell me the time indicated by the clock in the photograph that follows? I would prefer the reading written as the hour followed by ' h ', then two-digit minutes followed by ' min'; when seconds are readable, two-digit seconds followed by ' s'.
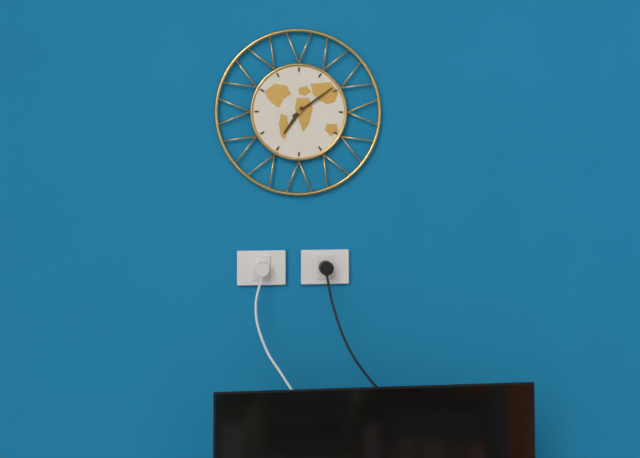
7 h 09 min
